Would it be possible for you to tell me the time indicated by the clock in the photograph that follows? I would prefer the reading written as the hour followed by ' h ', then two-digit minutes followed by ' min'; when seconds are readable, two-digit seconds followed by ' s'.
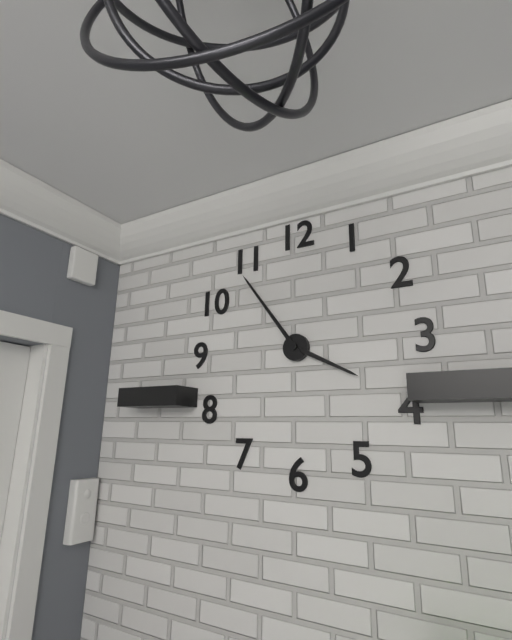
3 h 54 min
